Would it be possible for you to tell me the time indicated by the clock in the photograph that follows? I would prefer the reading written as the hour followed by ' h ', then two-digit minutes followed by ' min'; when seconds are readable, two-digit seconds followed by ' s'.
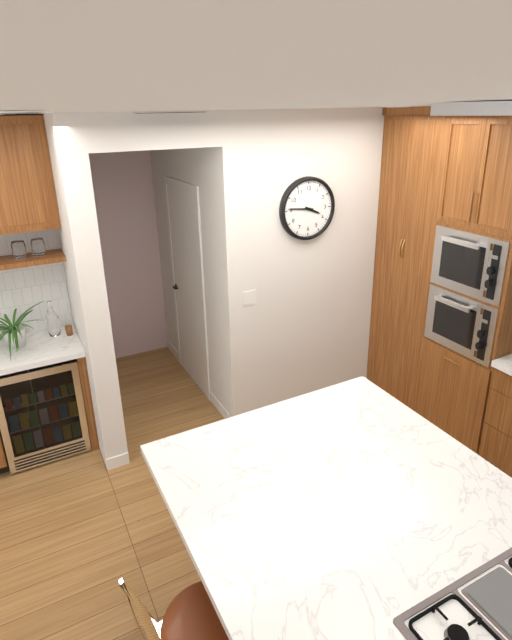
3 h 46 min
